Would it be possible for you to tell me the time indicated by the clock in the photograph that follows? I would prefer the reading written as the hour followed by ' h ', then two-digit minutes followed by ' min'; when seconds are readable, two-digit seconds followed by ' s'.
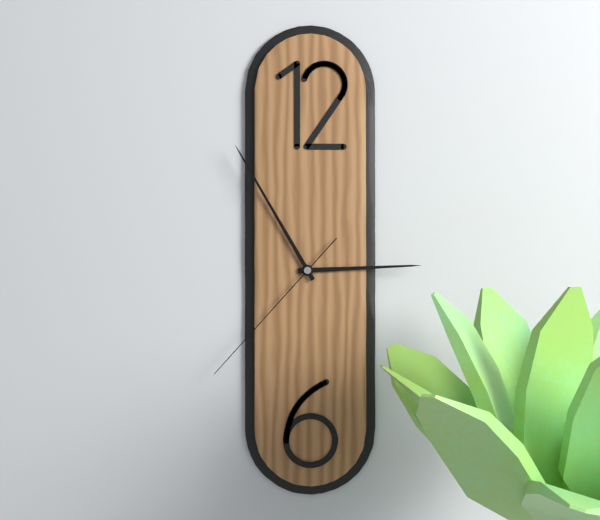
2 h 55 min 37 s
